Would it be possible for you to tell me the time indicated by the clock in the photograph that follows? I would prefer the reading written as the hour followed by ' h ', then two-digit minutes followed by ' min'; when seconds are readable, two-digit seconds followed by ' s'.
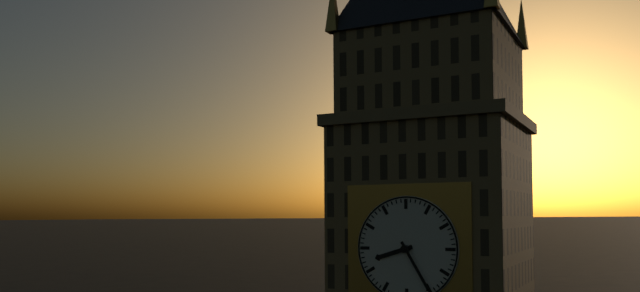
8 h 25 min
